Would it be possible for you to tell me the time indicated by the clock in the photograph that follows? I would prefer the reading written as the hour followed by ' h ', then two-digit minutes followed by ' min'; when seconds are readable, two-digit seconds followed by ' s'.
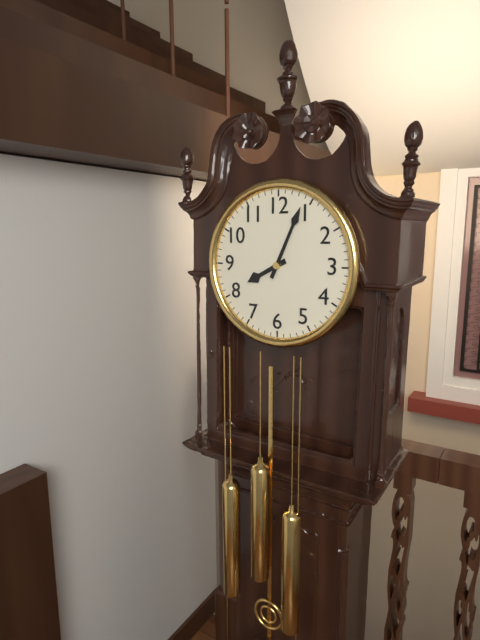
8 h 04 min
